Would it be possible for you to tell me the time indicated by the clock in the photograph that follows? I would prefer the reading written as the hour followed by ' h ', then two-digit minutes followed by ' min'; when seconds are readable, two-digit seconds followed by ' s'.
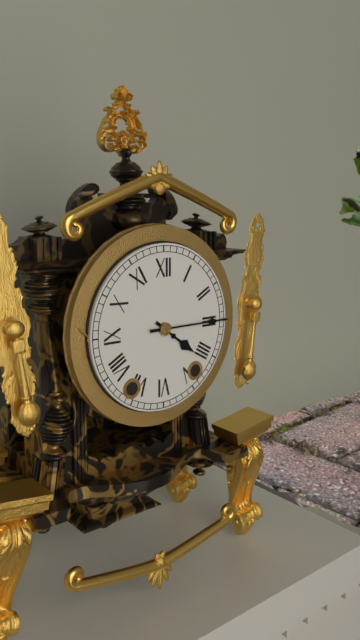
4 h 15 min
